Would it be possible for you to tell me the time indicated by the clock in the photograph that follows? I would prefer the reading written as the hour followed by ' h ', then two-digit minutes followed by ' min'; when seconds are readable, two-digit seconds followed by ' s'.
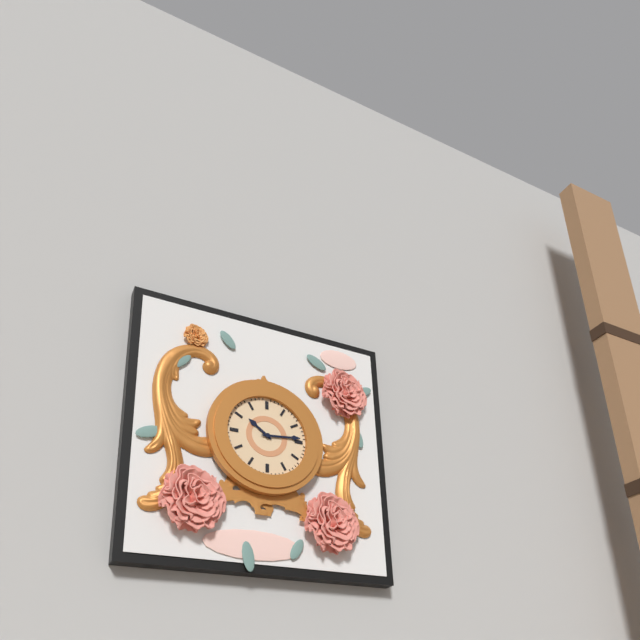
10 h 14 min
